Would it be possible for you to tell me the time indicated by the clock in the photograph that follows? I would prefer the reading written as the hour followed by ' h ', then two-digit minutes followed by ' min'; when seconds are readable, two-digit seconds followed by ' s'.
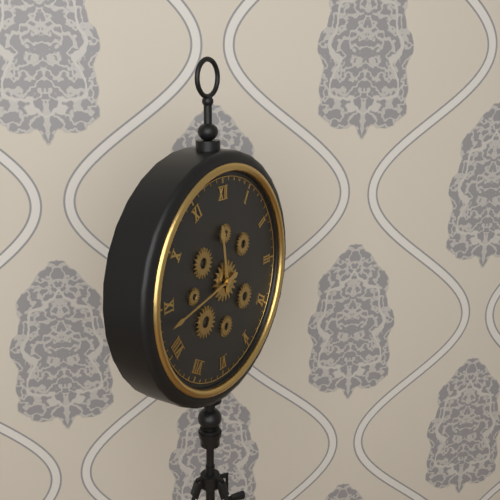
11 h 43 min
